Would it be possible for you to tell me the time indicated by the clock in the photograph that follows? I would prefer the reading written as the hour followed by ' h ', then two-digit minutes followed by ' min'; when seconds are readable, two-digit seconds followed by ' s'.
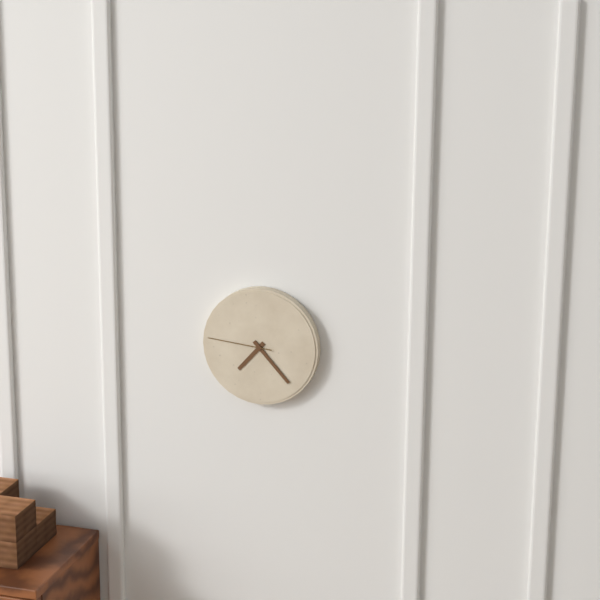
7 h 23 min 46 s
